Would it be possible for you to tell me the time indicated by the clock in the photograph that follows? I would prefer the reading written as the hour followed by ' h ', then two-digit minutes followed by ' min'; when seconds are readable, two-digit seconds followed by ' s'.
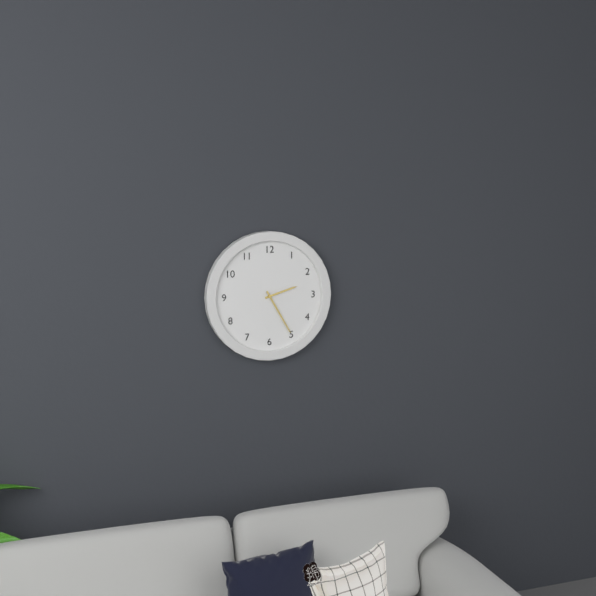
2 h 25 min
